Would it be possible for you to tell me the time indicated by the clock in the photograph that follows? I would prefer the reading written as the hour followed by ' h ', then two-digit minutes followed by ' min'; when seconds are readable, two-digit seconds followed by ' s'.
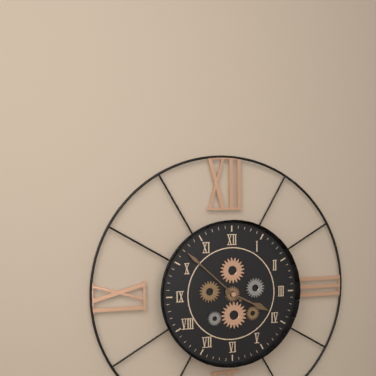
3 h 52 min
